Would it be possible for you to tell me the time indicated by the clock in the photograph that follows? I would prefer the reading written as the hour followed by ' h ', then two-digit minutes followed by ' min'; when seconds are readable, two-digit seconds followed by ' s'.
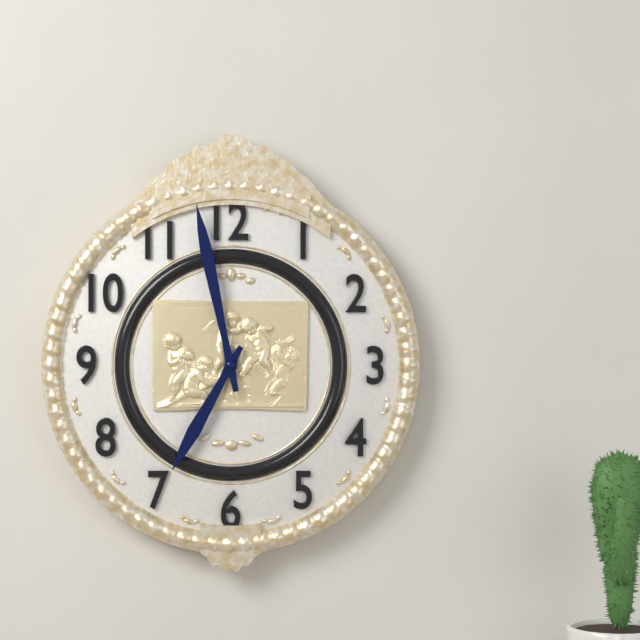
6 h 58 min
